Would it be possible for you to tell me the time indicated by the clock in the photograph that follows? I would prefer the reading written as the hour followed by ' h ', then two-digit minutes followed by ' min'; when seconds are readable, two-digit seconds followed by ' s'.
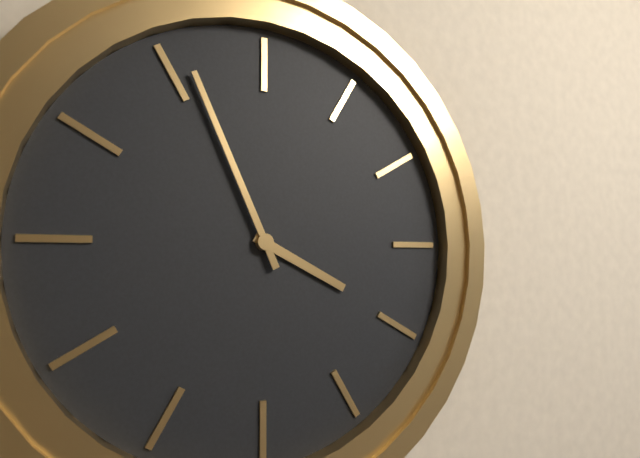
3 h 56 min
